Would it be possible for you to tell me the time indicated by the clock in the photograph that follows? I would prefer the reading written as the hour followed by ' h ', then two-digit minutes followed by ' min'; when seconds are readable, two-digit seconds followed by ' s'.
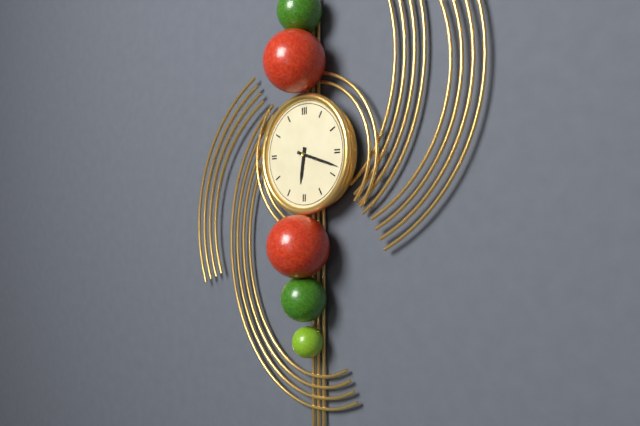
6 h 18 min
